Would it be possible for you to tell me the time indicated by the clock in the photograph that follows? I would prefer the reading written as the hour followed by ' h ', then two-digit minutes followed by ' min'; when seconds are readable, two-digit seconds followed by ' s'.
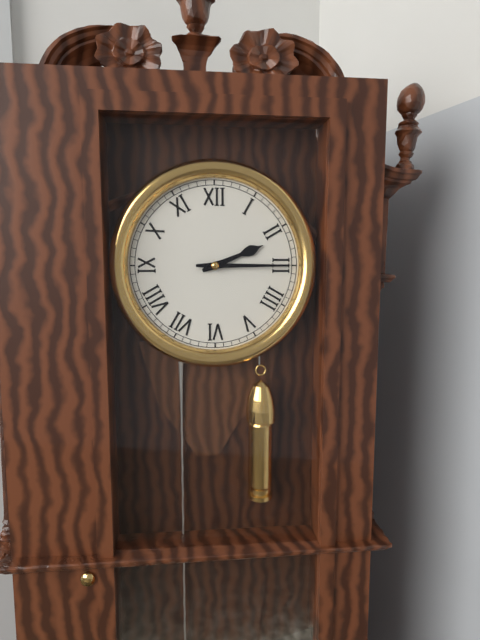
2 h 15 min
